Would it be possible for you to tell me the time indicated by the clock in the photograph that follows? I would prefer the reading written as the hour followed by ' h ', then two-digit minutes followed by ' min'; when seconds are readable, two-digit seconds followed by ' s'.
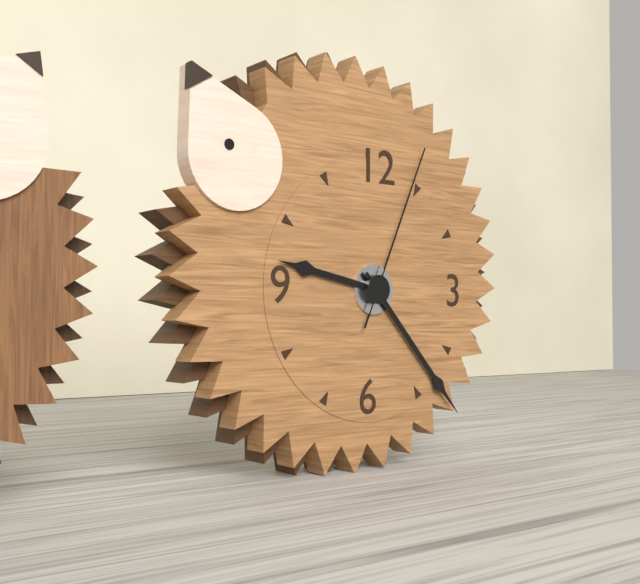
9 h 23 min 04 s
